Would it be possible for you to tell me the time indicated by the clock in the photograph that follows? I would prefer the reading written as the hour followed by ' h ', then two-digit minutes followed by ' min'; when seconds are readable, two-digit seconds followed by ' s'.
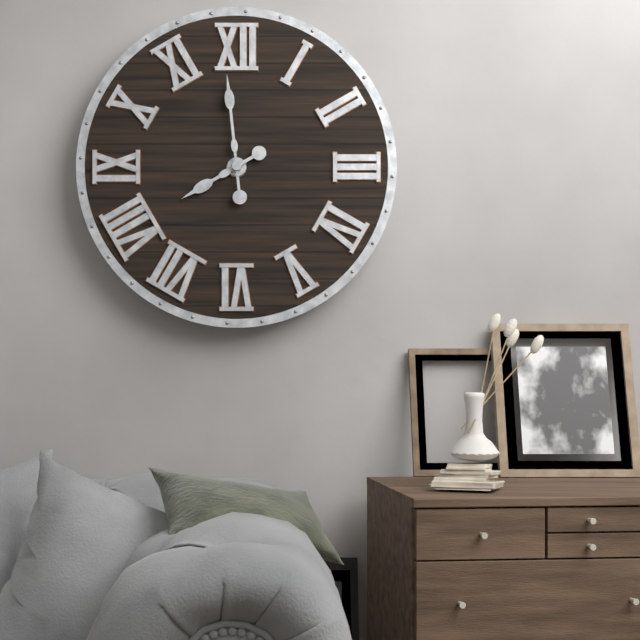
7 h 59 min
